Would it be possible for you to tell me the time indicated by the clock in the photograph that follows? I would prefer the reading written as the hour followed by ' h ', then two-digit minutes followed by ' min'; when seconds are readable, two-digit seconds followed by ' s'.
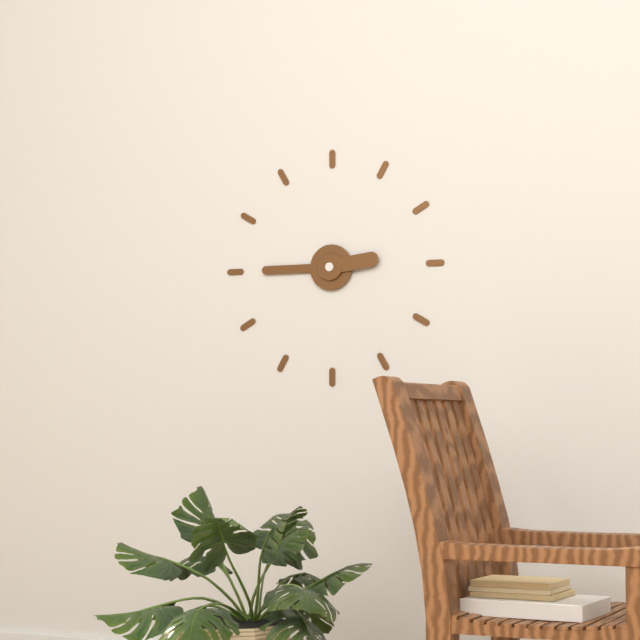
2 h 45 min
